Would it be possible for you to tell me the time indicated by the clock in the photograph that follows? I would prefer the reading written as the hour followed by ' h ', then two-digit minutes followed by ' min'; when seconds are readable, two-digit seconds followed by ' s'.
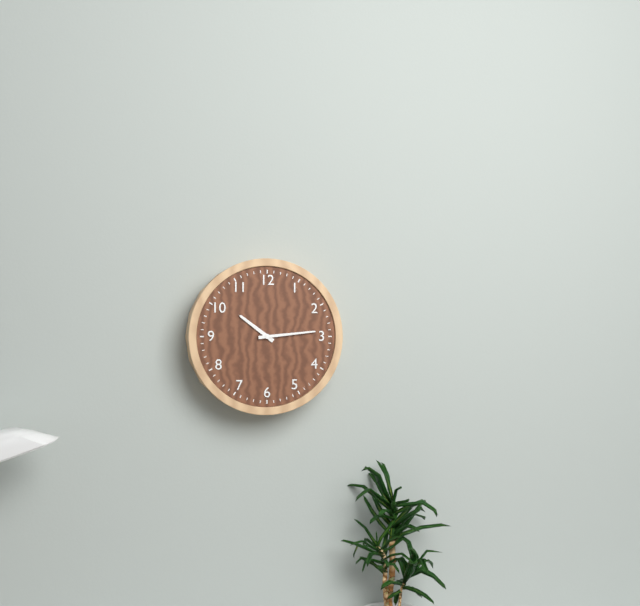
10 h 14 min
